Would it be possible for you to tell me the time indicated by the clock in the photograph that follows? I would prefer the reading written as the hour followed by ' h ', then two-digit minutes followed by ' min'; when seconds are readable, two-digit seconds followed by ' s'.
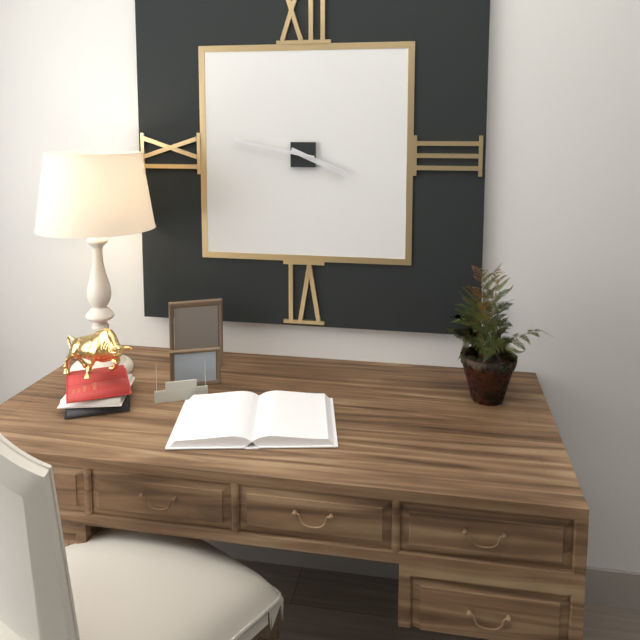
3 h 47 min
